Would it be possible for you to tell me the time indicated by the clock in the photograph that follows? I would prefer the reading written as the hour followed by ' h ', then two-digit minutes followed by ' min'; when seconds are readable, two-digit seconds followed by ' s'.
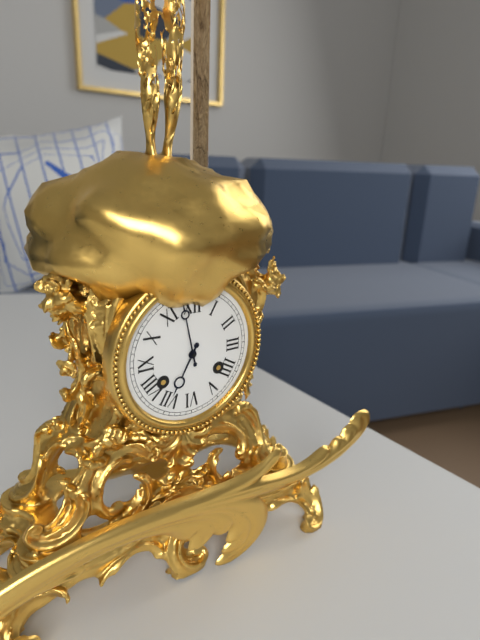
6 h 58 min
